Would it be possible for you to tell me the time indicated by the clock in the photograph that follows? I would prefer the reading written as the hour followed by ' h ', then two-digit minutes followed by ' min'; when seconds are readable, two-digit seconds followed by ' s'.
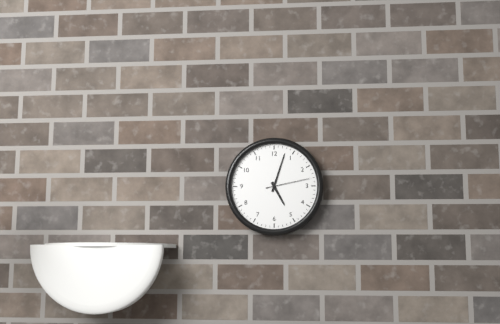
5 h 03 min
